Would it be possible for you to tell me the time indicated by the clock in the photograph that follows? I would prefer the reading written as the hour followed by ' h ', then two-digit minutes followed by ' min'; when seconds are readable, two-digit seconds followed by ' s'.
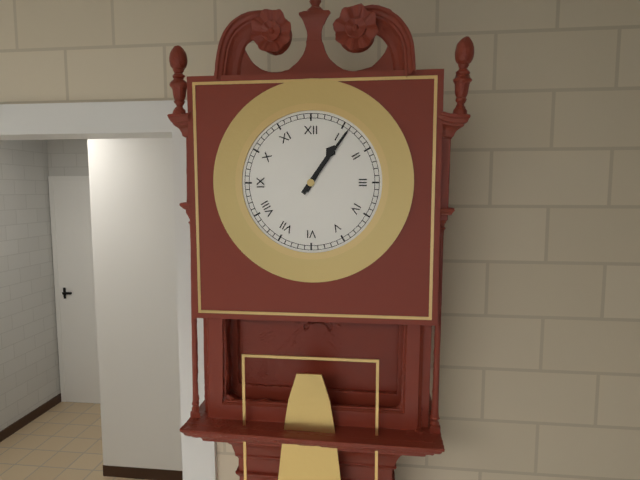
1 h 06 min
